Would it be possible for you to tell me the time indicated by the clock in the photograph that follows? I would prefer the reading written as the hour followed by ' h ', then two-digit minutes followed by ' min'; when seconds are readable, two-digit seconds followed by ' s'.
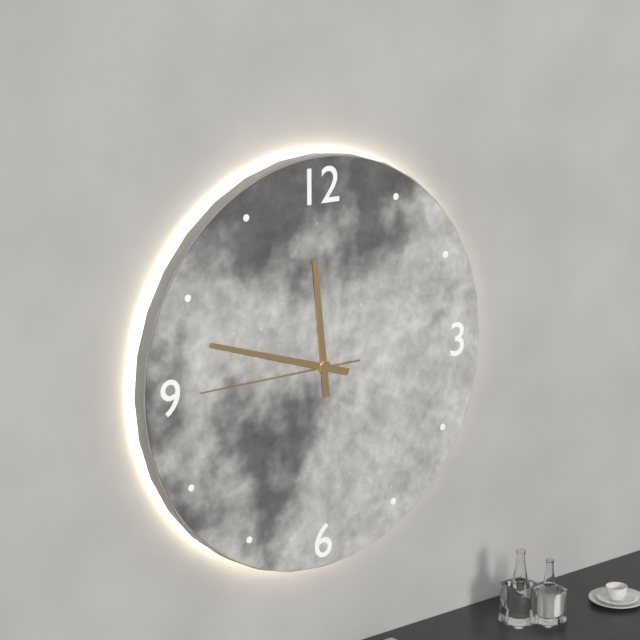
11 h 48 min 45 s
